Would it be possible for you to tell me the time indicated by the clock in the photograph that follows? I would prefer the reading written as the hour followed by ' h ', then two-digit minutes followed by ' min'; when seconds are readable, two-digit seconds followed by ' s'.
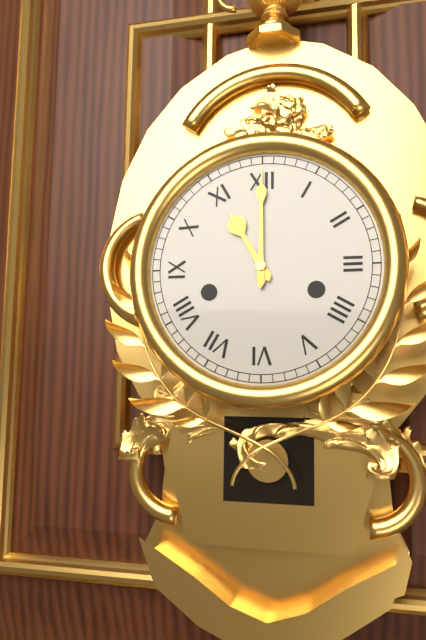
11 h 00 min
